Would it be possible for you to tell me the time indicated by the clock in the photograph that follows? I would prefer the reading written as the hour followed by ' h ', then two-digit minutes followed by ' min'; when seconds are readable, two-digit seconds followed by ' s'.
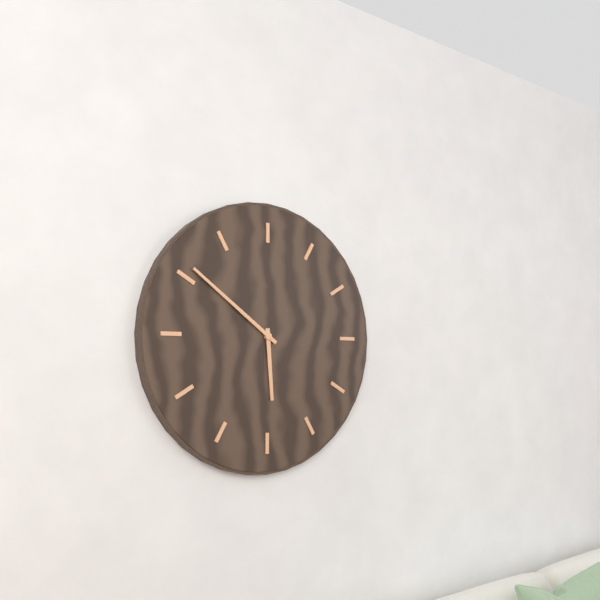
5 h 51 min
